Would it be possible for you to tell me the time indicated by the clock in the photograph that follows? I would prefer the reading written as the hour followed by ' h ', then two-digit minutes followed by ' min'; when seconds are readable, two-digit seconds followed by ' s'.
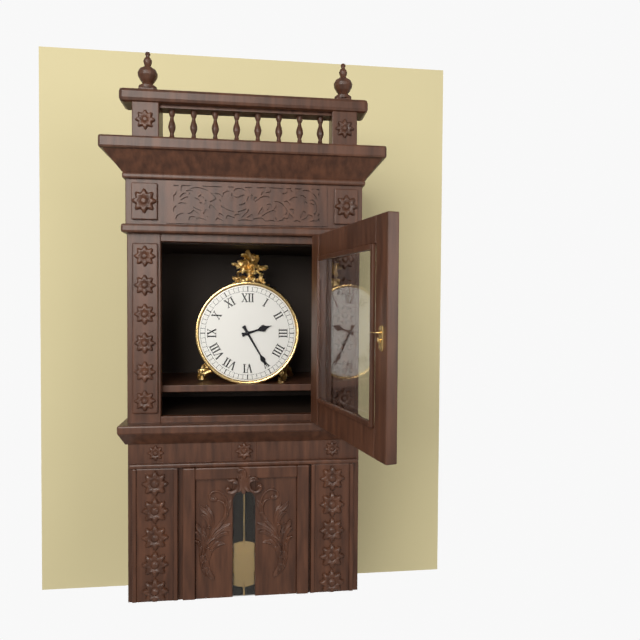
2 h 25 min
